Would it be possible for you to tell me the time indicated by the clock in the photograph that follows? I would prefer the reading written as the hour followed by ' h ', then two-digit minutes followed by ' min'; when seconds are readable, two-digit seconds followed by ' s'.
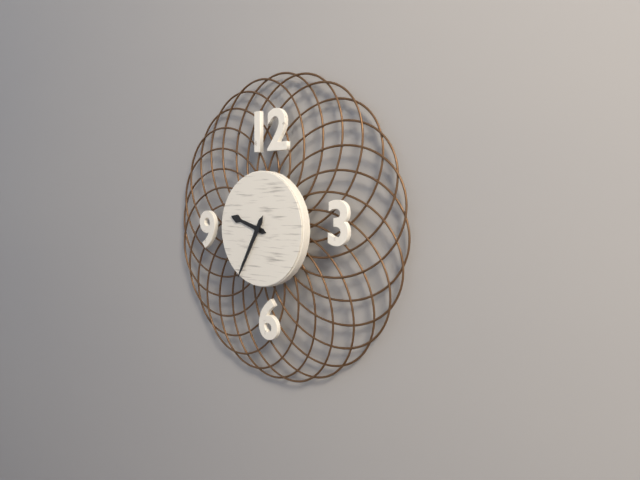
9 h 35 min
